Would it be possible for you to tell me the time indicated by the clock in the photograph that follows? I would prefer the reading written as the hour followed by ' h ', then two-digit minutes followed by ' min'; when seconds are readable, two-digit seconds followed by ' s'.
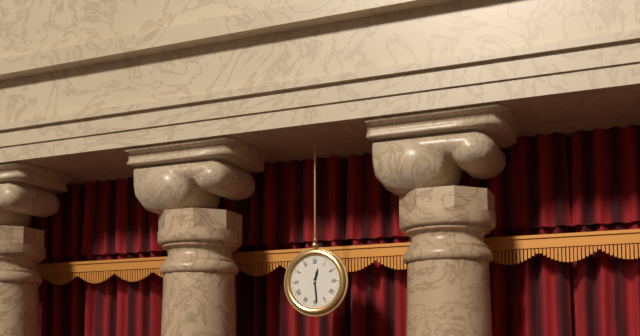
12 h 29 min
